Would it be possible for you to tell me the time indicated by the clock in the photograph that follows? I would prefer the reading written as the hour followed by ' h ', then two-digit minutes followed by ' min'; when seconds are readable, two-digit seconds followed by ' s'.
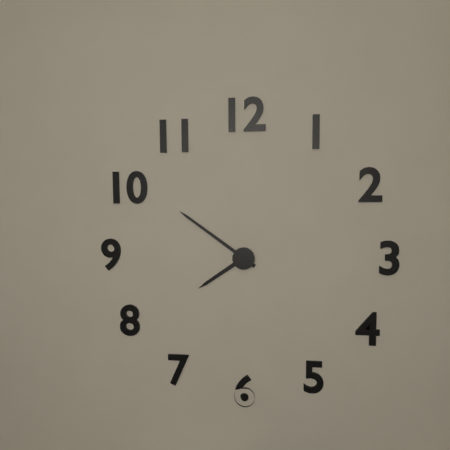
7 h 51 min
